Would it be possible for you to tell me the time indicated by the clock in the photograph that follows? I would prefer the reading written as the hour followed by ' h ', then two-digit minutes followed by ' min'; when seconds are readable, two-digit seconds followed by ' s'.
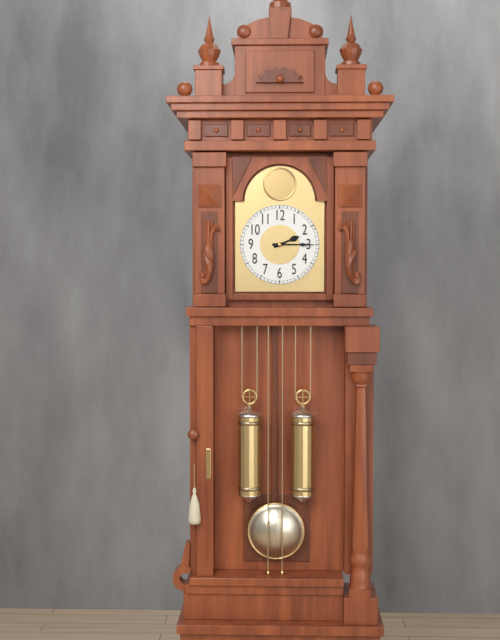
2 h 15 min
